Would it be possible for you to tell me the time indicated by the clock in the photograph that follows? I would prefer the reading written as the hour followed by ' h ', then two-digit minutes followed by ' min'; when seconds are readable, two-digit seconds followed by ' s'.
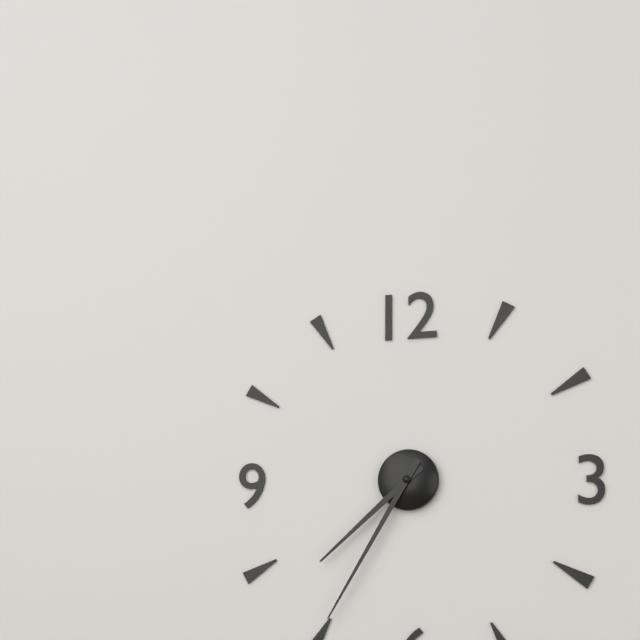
7 h 35 min
